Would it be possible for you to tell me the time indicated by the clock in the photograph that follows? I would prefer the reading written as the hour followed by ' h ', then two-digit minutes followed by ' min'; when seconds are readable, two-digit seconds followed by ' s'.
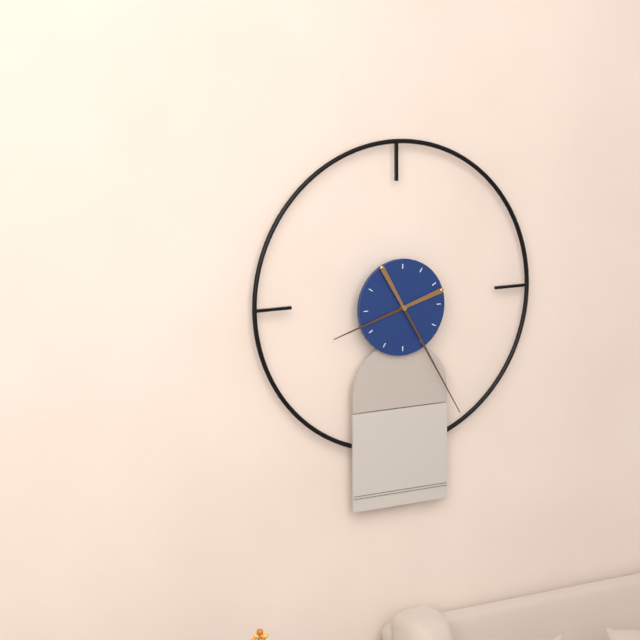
8 h 25 min
